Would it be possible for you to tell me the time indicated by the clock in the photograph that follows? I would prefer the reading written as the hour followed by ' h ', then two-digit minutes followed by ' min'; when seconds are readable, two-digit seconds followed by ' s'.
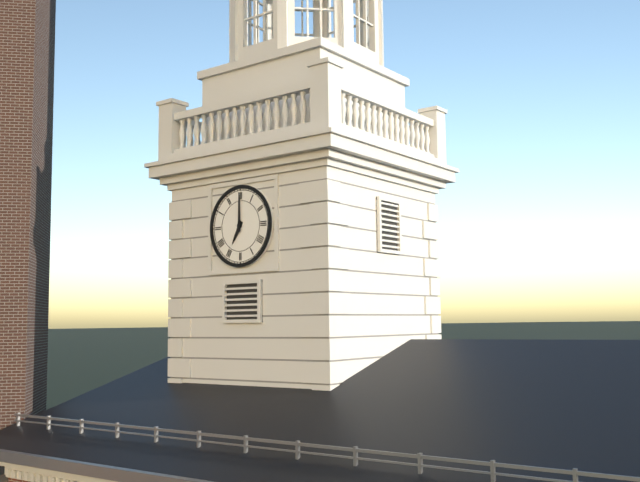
7 h 00 min
